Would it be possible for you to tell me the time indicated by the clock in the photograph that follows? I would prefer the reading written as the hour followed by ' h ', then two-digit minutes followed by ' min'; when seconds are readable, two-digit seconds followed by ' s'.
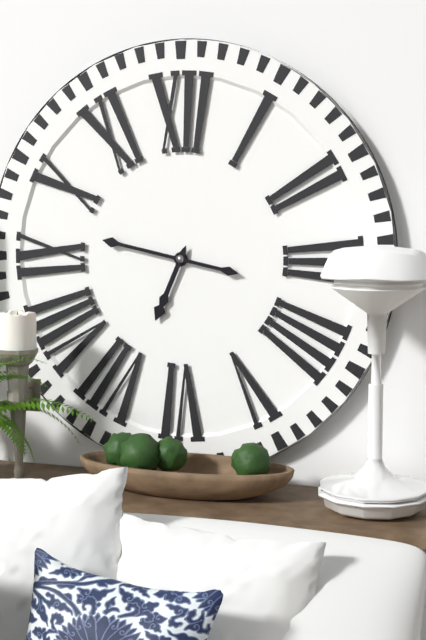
6 h 47 min
